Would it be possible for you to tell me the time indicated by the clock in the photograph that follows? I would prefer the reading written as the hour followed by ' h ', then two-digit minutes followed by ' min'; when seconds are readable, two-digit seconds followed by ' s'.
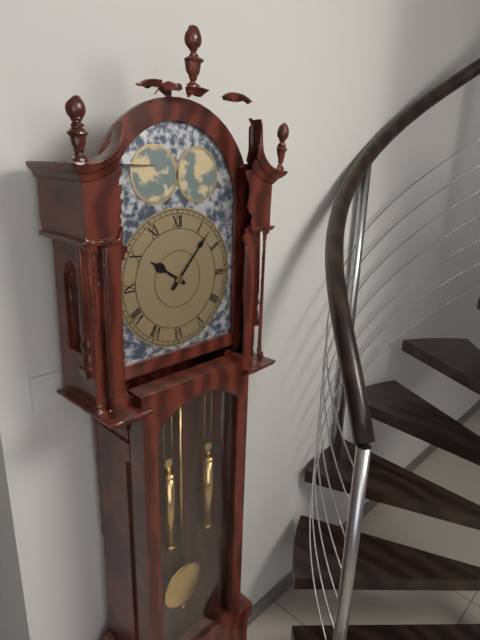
10 h 07 min
